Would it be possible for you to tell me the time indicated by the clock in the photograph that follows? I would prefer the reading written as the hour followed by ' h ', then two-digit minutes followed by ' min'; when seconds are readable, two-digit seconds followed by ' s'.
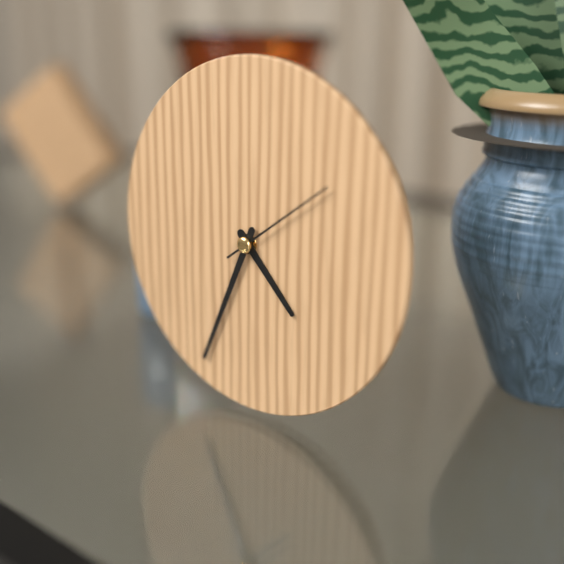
4 h 34 min 09 s
